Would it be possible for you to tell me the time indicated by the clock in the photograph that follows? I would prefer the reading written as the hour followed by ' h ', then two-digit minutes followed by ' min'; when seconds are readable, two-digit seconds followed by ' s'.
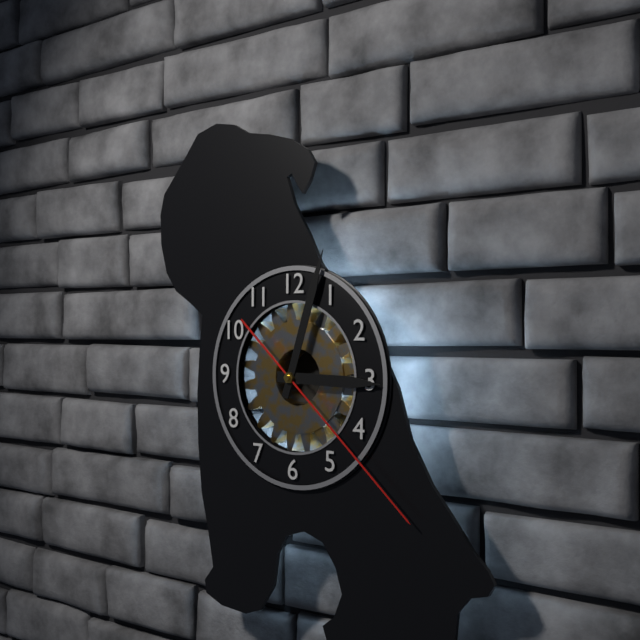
3 h 03 min 22 s
